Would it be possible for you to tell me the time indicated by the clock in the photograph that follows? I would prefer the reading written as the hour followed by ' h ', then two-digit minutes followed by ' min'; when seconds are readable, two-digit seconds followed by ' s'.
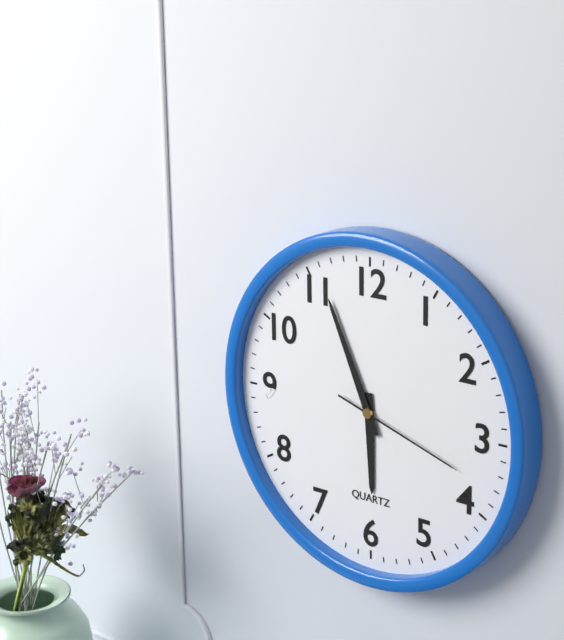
5 h 56 min 18 s
